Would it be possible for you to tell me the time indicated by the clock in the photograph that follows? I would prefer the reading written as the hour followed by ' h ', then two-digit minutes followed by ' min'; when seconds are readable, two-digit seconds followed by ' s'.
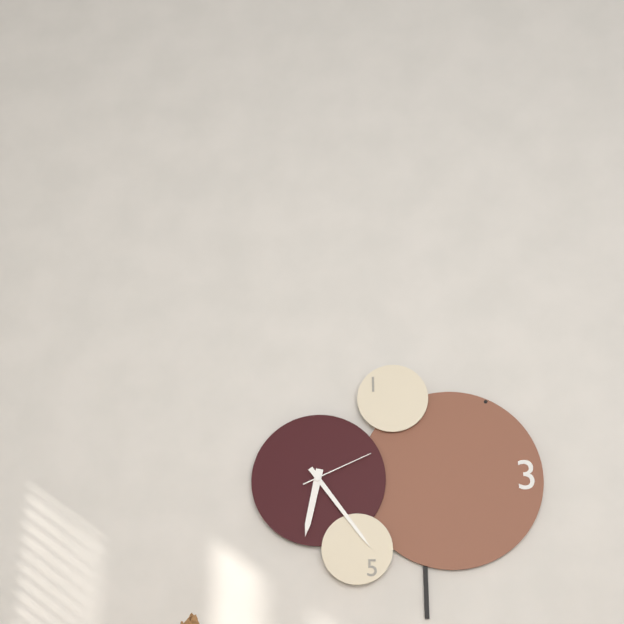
6 h 24 min 11 s
